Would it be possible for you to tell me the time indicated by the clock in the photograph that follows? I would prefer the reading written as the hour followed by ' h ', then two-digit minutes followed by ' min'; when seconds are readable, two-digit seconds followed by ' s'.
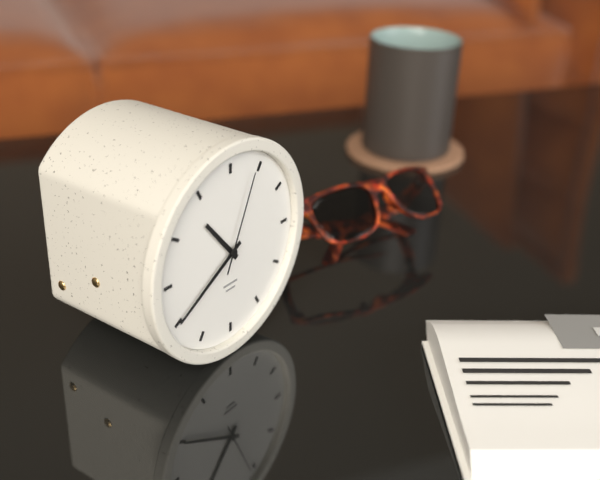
10 h 40 min 04 s
